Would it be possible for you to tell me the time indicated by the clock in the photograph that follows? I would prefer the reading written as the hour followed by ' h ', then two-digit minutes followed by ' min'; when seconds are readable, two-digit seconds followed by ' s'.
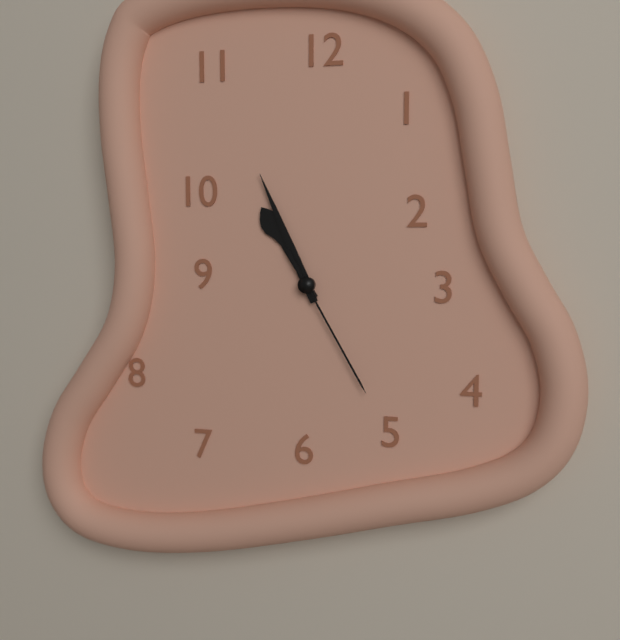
10 h 56 min 25 s
